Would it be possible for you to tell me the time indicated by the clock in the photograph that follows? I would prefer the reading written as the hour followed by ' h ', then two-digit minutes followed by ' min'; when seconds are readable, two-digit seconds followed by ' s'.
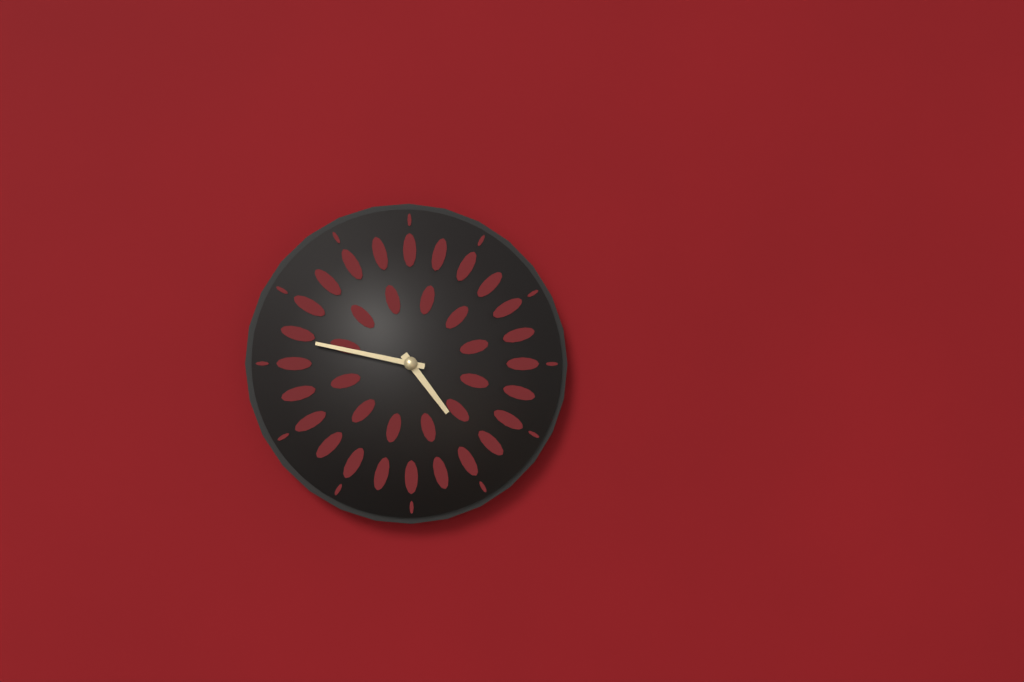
4 h 47 min
